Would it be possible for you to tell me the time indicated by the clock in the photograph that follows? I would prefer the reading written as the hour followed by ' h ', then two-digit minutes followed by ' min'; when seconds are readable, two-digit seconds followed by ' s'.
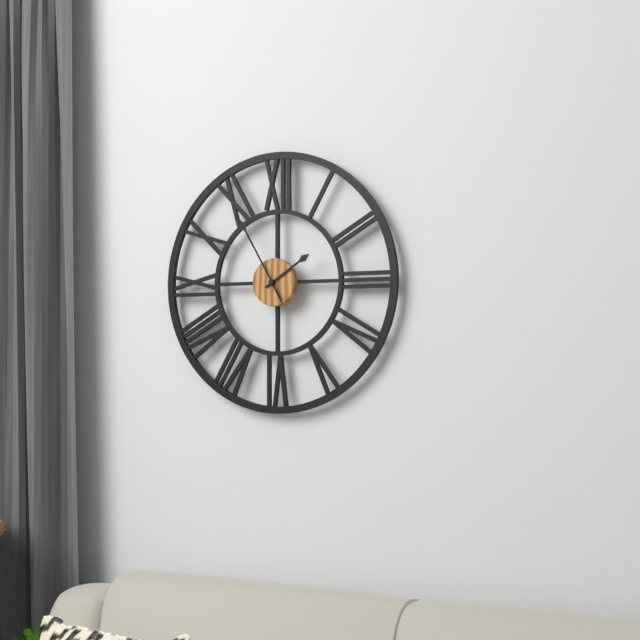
1 h 55 min
